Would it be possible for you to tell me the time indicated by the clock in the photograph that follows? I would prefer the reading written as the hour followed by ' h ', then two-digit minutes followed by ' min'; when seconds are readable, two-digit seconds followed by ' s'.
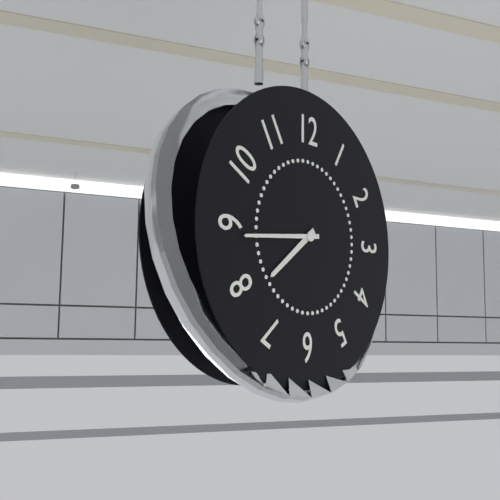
7 h 44 min
